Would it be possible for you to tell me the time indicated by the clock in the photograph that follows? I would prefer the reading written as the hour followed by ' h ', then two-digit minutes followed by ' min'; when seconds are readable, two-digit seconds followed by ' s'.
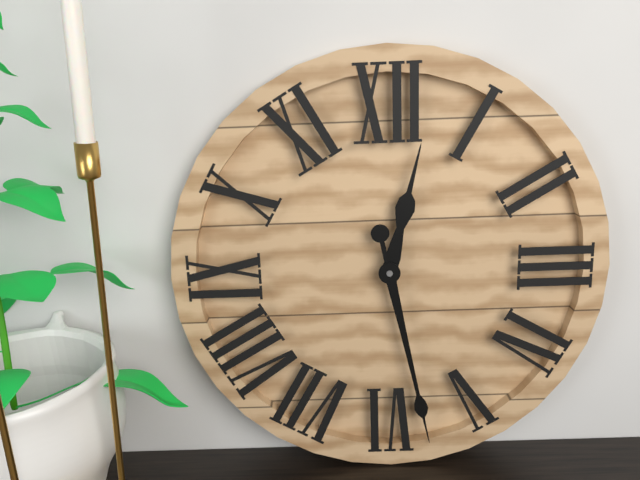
12 h 28 min
